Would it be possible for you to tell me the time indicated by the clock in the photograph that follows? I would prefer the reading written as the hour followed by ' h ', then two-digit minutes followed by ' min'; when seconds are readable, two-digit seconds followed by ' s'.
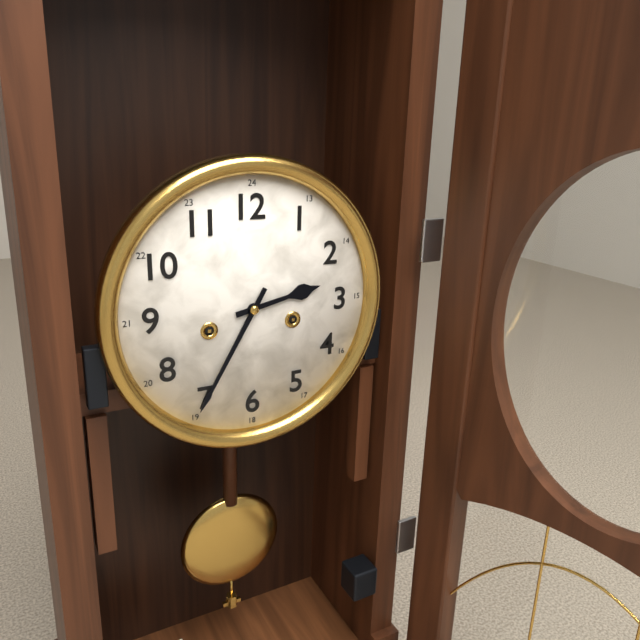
2 h 35 min
